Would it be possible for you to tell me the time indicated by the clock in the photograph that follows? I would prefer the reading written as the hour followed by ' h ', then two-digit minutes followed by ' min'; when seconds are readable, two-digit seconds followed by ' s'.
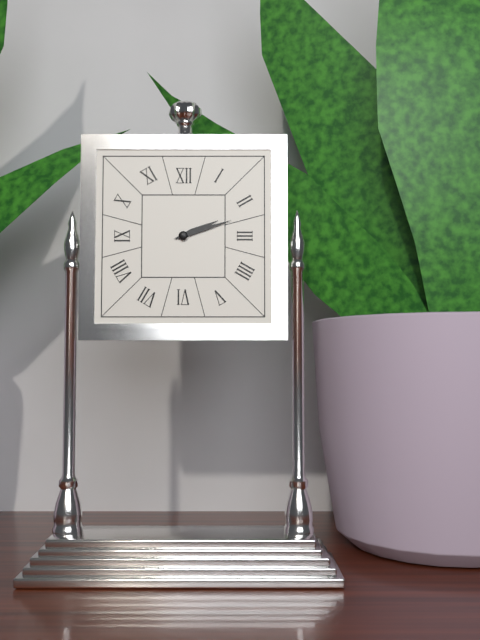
2 h 12 min
